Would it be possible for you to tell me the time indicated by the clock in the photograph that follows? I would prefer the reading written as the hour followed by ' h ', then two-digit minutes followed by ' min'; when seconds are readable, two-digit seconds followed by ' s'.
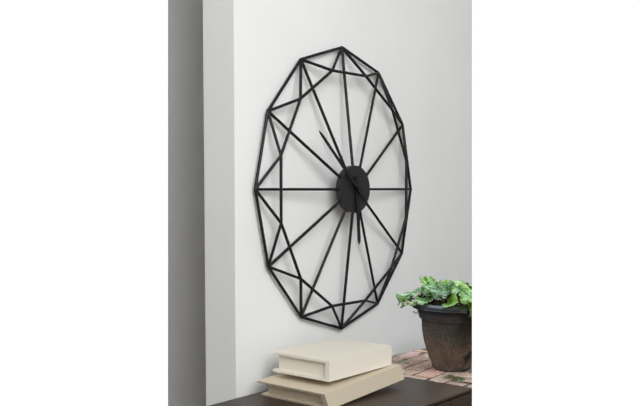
5 h 52 min
